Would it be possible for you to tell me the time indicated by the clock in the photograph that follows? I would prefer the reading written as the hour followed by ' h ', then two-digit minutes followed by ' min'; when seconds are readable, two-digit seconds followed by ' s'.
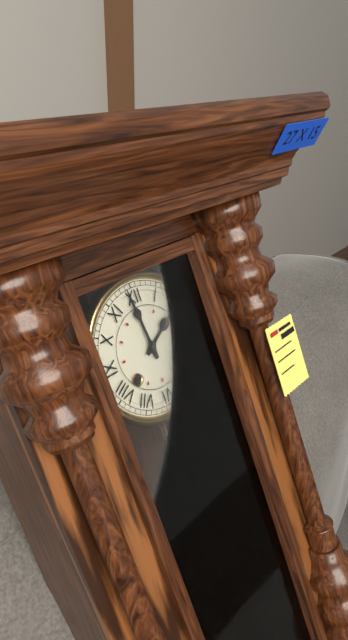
1 h 59 min
